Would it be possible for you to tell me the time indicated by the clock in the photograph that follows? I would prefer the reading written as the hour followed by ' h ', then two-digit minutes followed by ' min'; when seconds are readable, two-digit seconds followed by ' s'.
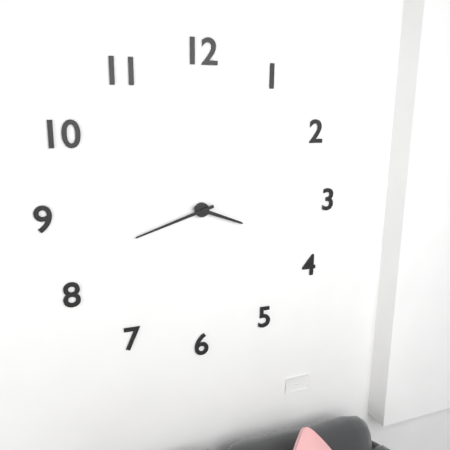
3 h 42 min
